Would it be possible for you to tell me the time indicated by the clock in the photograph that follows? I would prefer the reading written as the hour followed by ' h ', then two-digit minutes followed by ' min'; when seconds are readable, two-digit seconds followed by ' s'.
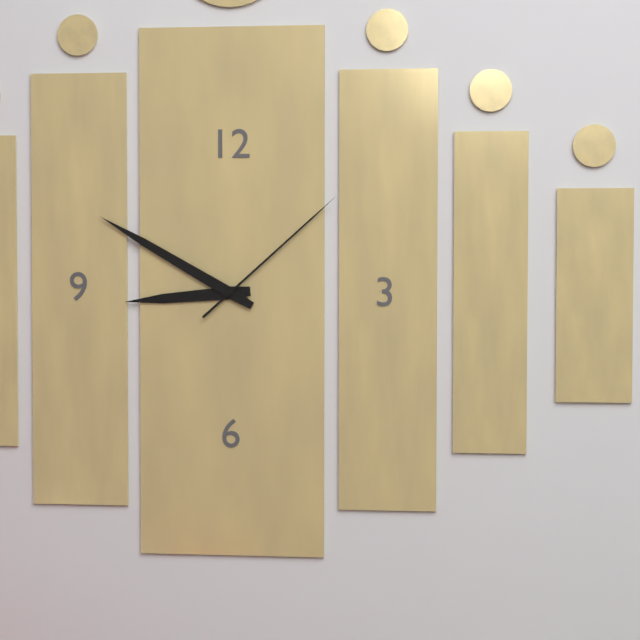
8 h 50 min 08 s
